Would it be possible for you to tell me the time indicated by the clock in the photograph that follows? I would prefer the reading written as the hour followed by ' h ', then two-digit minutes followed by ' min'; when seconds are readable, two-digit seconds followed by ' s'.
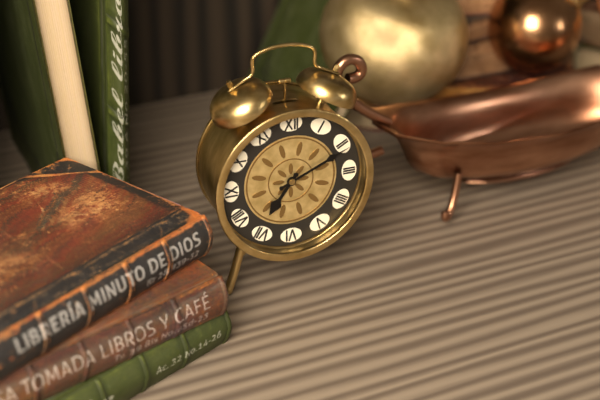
7 h 11 min
